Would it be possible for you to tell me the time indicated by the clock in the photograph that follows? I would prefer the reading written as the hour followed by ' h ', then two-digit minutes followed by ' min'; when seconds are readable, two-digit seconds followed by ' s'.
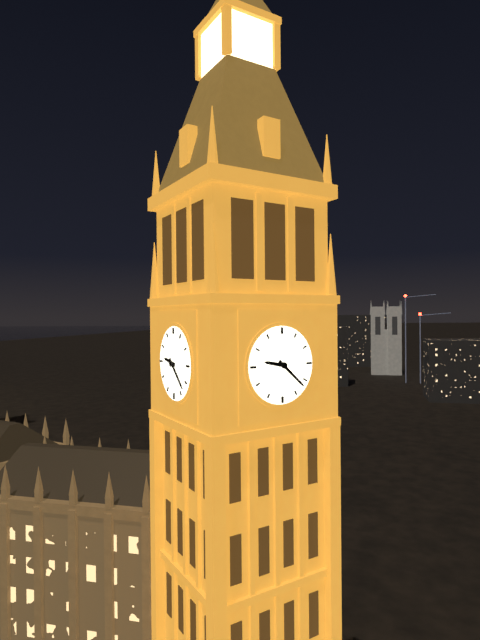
9 h 22 min
